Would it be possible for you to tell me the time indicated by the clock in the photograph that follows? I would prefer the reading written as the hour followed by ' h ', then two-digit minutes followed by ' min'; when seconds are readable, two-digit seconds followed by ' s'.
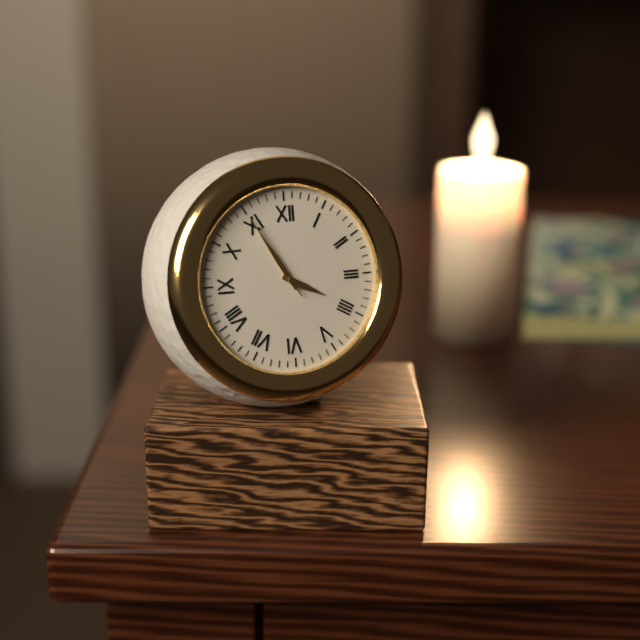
3 h 55 min 55 s
